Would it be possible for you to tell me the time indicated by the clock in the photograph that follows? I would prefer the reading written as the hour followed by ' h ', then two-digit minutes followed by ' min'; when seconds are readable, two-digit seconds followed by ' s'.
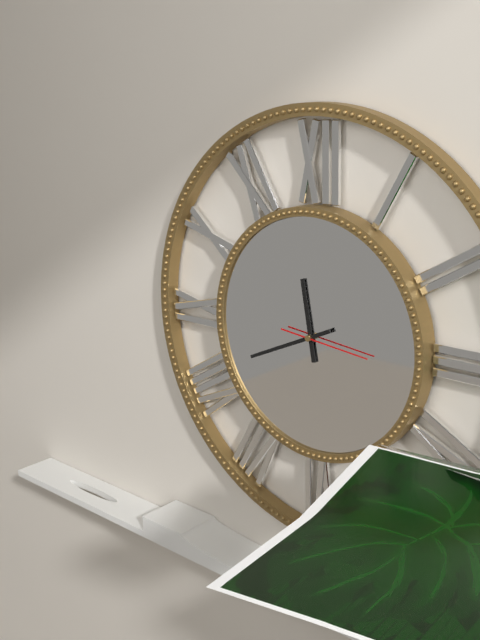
11 h 41 min 16 s
